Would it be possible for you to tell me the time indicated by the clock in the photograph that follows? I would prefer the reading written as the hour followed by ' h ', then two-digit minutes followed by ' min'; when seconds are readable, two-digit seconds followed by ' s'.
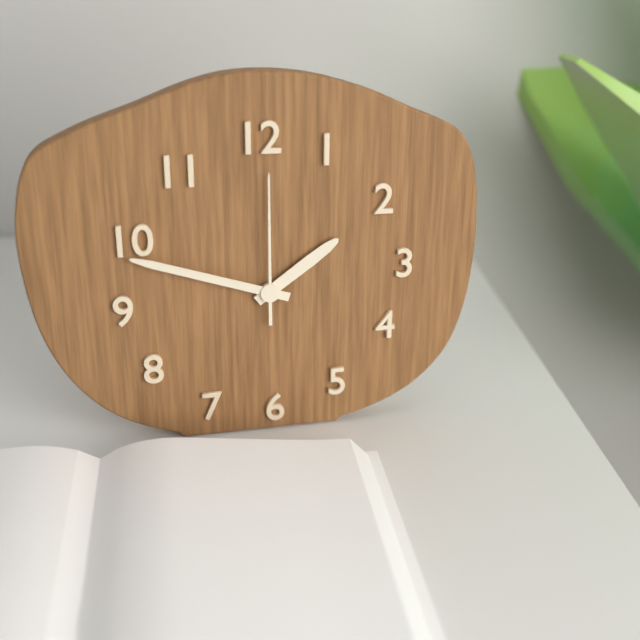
1 h 48 min 00 s
